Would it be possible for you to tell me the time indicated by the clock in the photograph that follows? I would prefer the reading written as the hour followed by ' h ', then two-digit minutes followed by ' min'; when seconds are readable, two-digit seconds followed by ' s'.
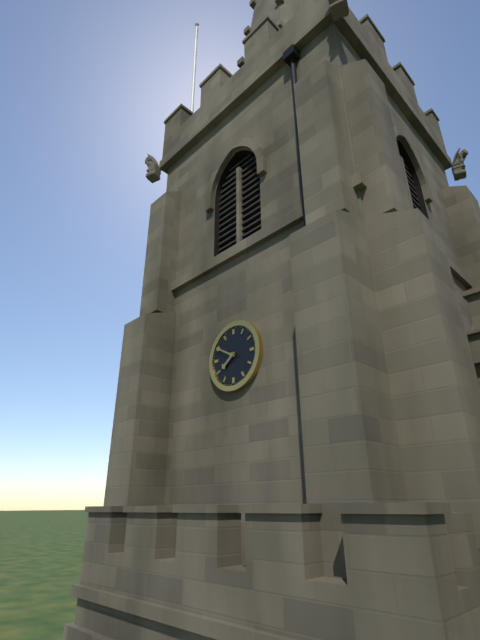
7 h 50 min
